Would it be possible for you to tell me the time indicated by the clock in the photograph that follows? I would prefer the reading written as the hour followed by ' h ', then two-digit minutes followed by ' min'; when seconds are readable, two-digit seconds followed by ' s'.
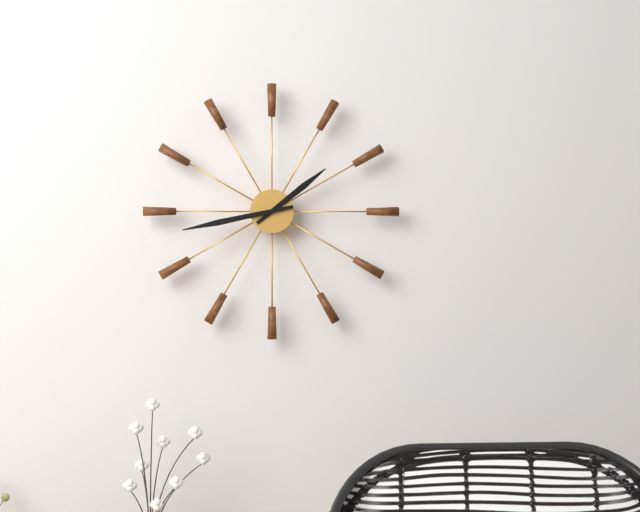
1 h 43 min
